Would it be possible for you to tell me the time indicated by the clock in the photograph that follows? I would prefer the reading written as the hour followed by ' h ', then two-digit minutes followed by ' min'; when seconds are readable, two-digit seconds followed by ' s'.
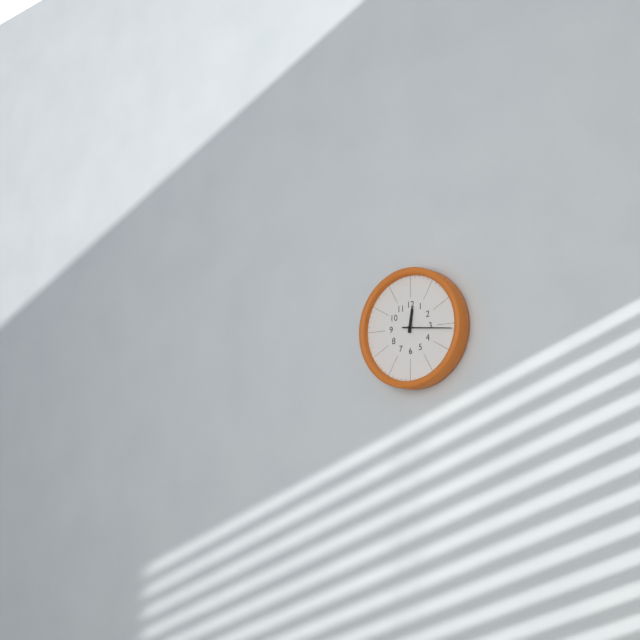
12 h 16 min
